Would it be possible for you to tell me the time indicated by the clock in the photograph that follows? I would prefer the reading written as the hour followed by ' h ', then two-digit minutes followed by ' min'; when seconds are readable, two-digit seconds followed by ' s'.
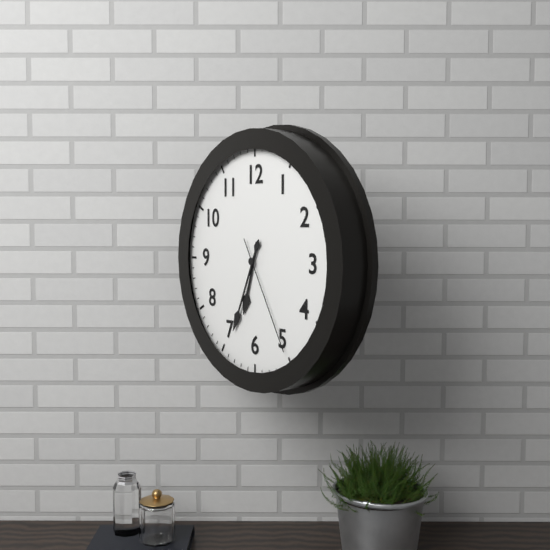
6 h 34 min 25 s
